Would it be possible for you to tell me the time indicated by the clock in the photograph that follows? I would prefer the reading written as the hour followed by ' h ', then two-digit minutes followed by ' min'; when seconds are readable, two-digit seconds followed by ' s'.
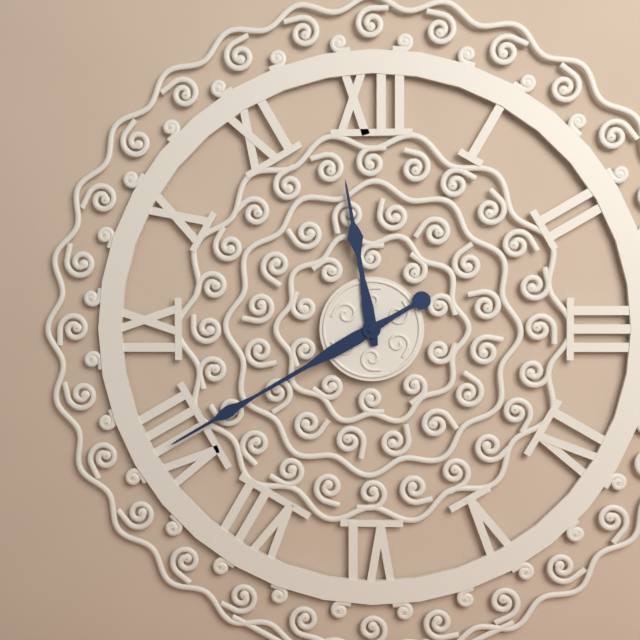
11 h 40 min
